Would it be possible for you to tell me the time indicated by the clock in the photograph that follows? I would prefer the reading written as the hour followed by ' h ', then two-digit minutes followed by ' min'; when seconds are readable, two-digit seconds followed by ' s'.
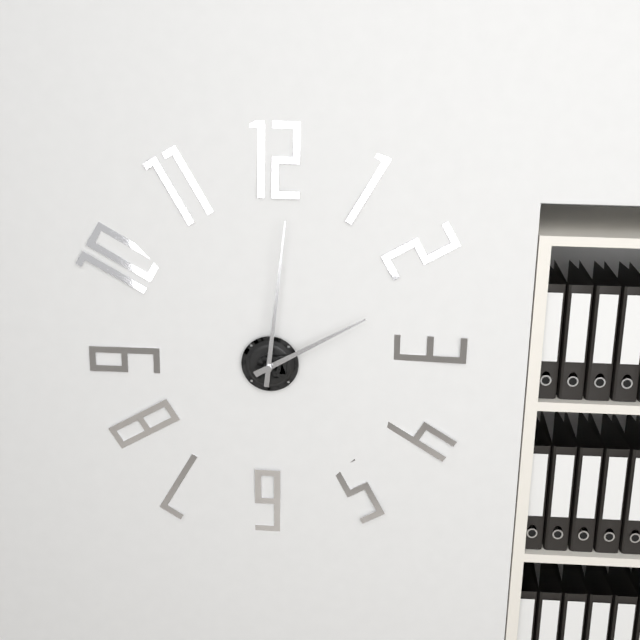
2 h 01 min
